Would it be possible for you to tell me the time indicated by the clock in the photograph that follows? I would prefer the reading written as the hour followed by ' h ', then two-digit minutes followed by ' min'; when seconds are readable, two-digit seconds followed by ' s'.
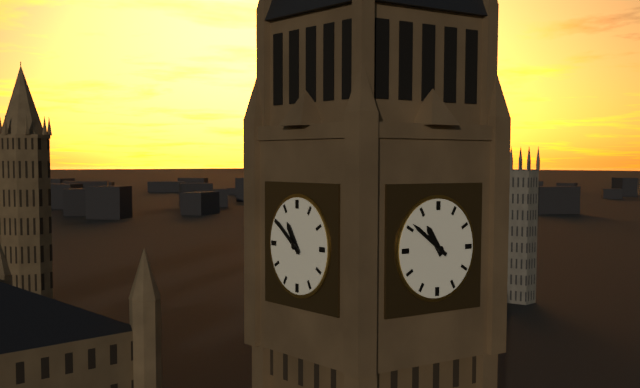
10 h 51 min
